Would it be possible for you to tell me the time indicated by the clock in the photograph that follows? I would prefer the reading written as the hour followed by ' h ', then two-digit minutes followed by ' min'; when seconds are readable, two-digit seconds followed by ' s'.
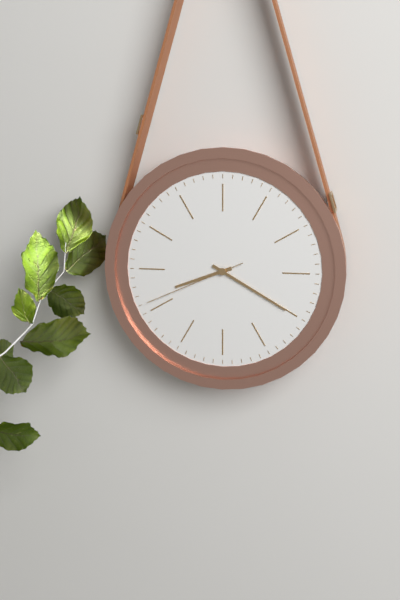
8 h 20 min 41 s
